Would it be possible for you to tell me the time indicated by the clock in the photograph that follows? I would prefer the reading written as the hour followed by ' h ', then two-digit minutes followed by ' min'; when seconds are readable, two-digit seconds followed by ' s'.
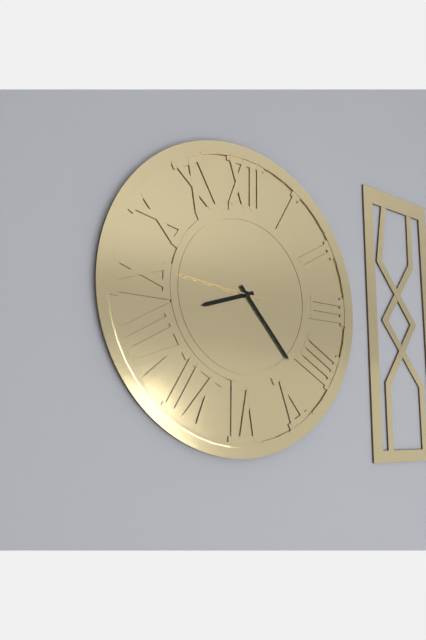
8 h 23 min 46 s
